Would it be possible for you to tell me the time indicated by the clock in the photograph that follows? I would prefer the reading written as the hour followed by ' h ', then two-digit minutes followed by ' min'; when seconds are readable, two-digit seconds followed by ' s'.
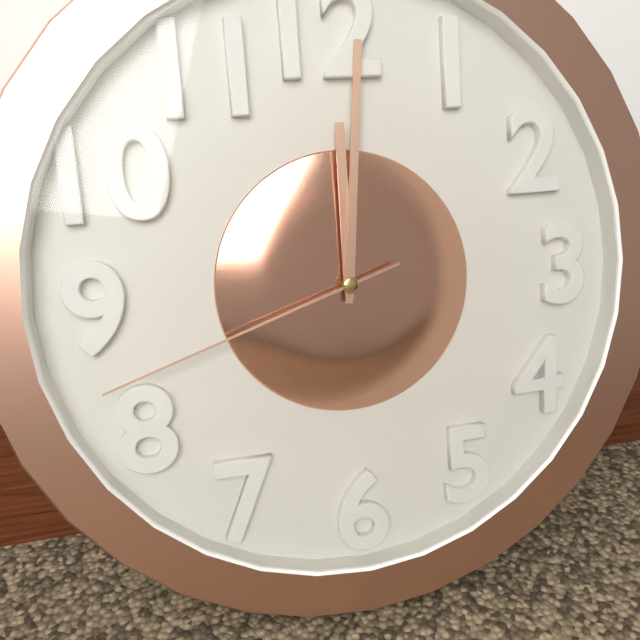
12 h 01 min 42 s
